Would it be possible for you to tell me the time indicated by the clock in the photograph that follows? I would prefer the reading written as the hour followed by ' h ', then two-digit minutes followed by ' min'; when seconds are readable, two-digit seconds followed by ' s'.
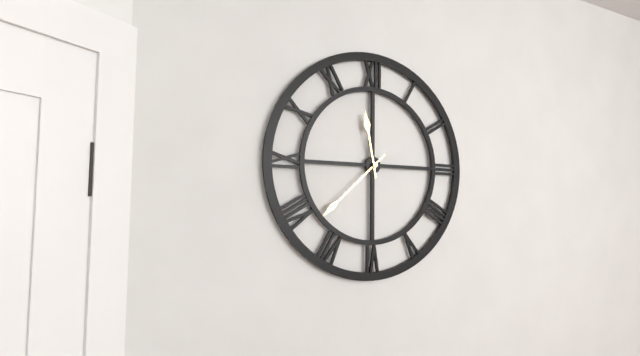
11 h 38 min
